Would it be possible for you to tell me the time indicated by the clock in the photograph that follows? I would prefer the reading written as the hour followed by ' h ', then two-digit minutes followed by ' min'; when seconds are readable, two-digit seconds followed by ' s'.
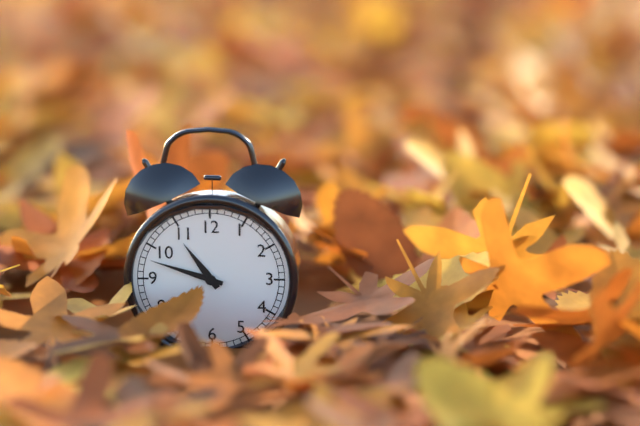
10 h 48 min
